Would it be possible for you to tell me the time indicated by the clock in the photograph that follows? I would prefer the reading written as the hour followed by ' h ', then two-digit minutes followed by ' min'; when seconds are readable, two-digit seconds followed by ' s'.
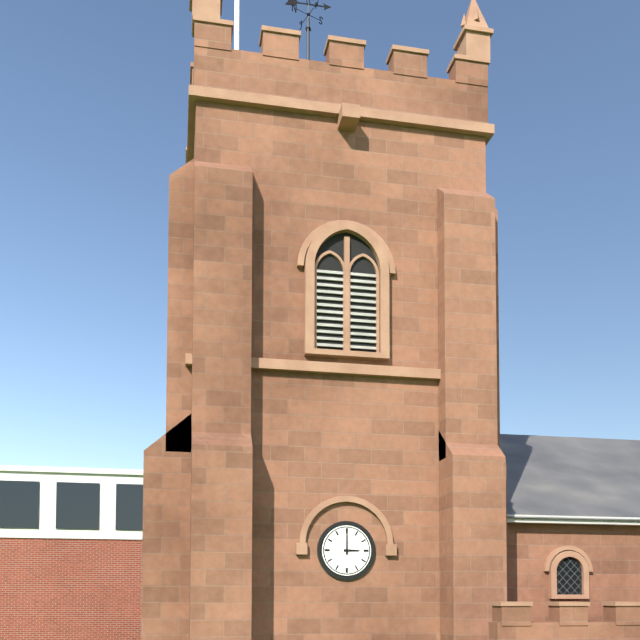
3 h 00 min
